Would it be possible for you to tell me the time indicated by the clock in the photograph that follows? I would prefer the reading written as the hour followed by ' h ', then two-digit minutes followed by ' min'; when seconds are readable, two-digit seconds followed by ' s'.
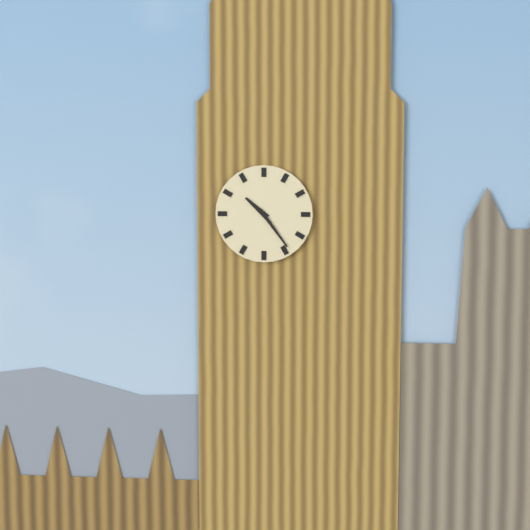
10 h 24 min
